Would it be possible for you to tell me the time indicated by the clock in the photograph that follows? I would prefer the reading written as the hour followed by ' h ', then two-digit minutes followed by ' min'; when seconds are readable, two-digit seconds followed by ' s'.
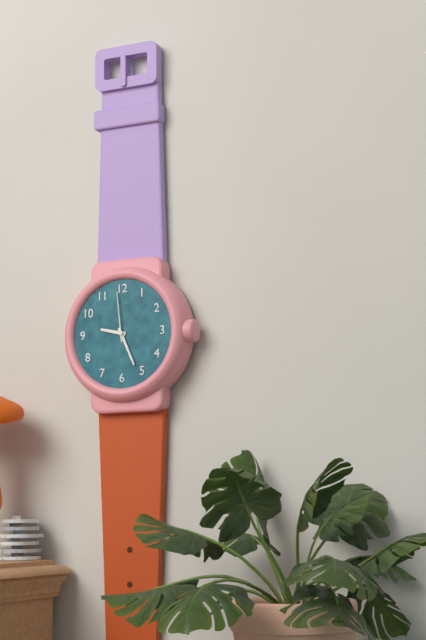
9 h 26 min 59 s
